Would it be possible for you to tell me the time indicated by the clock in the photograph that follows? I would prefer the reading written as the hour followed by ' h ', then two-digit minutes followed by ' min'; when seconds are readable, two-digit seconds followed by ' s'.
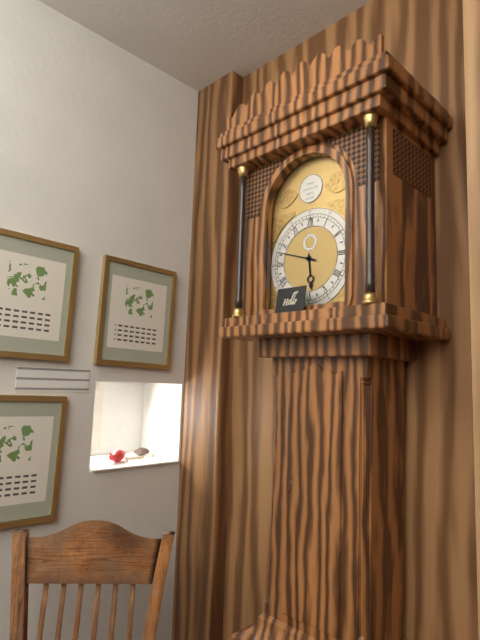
5 h 48 min
